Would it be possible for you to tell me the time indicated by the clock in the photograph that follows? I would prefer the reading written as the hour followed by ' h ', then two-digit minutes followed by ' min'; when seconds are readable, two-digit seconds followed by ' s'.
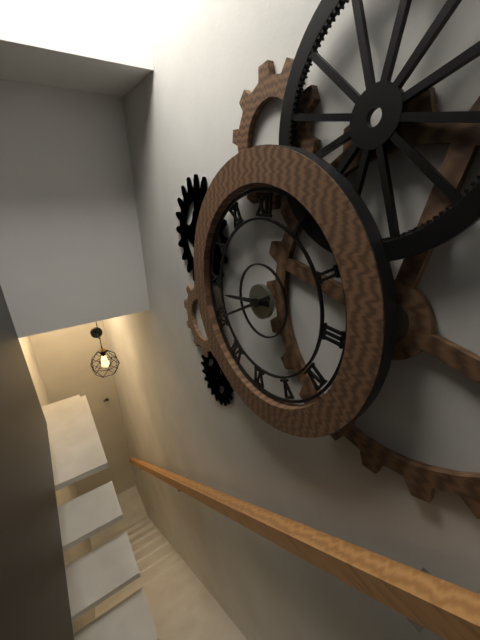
8 h 40 min
